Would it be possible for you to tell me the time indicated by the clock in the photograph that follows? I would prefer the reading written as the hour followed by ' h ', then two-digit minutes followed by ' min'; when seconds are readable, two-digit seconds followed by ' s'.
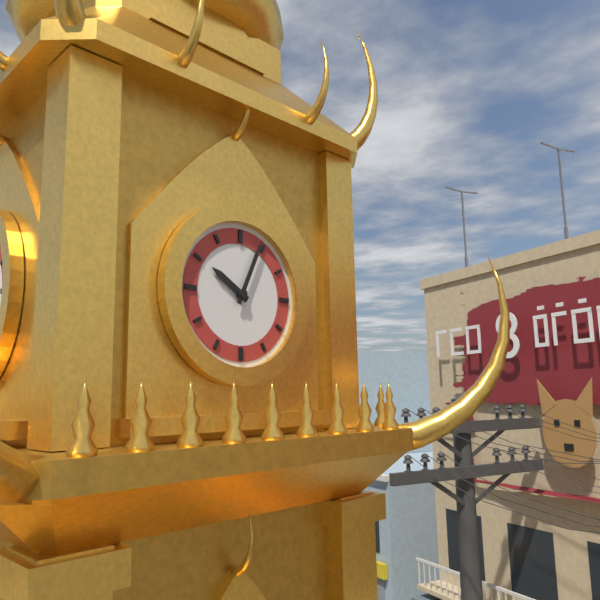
10 h 04 min
